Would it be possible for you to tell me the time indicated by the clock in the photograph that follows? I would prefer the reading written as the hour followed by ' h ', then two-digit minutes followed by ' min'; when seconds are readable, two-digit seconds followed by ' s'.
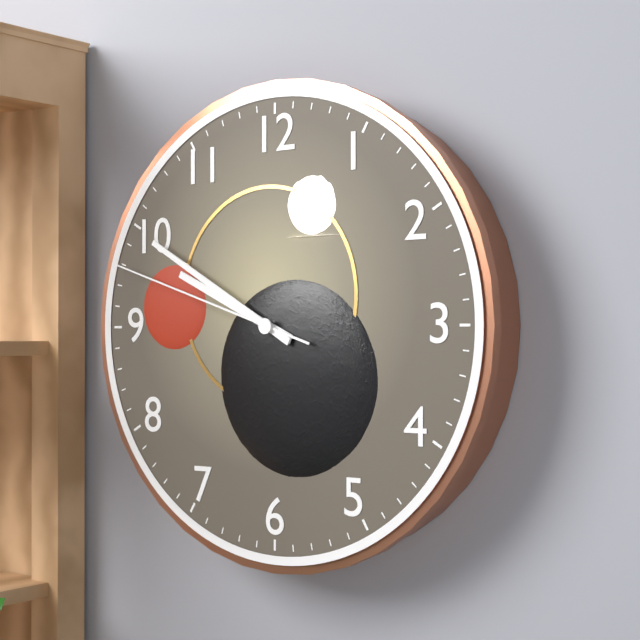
9 h 50 min 48 s
